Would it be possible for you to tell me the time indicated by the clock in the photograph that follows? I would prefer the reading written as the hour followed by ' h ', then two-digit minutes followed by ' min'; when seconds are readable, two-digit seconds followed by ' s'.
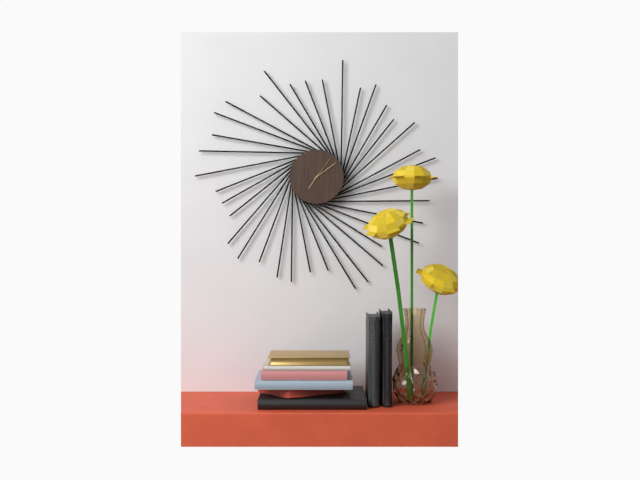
7 h 09 min
